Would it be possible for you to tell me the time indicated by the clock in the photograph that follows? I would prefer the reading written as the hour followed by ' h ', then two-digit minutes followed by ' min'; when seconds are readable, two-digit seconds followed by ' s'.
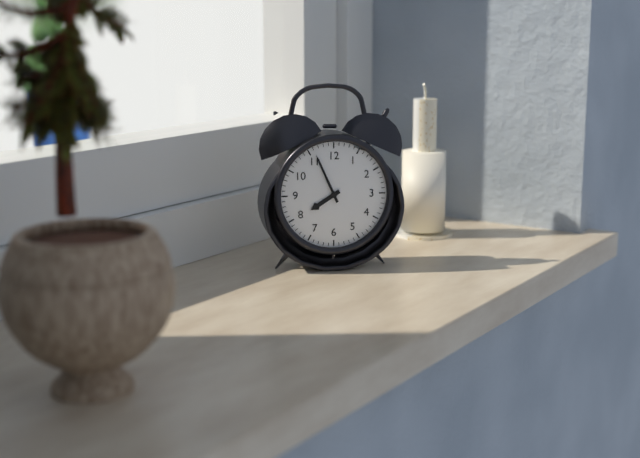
7 h 56 min
